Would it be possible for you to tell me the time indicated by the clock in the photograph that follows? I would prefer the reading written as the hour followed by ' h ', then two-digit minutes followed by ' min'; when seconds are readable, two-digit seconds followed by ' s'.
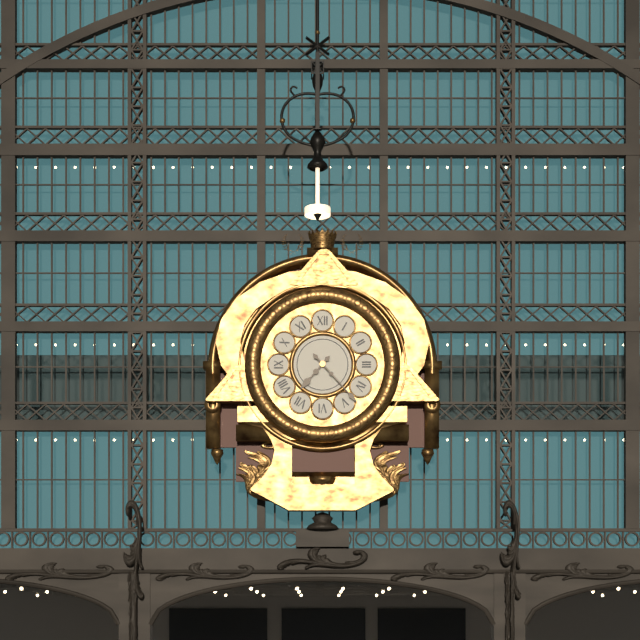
7 h 23 min
